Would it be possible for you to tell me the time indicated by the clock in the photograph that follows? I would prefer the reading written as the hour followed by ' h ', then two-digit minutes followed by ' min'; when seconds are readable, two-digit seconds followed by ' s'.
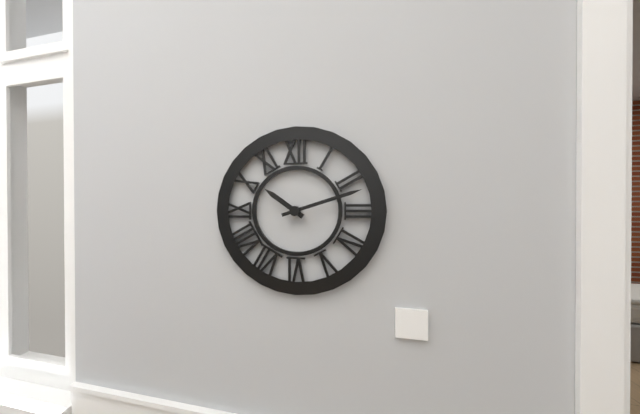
10 h 12 min
